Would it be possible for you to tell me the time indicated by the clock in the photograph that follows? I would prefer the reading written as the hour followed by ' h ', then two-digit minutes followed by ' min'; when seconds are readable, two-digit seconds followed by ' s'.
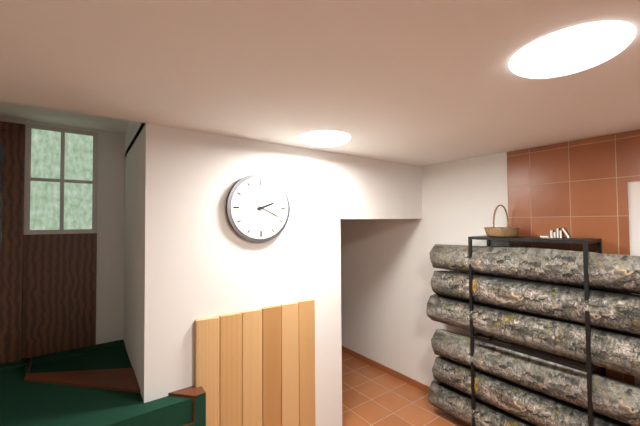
2 h 19 min
